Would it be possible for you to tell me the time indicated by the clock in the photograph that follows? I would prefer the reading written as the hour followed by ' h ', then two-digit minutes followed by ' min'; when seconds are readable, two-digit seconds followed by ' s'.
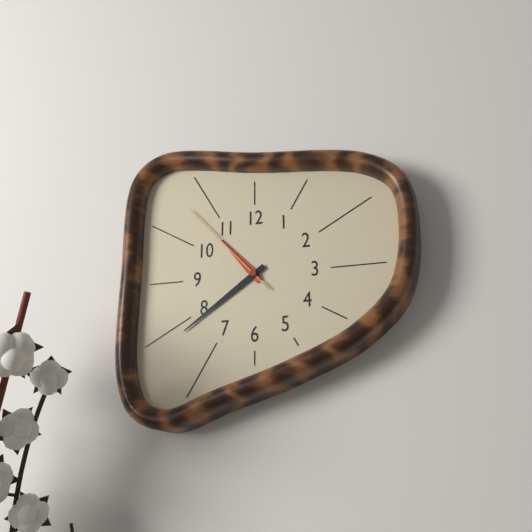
10 h 39 min 53 s
